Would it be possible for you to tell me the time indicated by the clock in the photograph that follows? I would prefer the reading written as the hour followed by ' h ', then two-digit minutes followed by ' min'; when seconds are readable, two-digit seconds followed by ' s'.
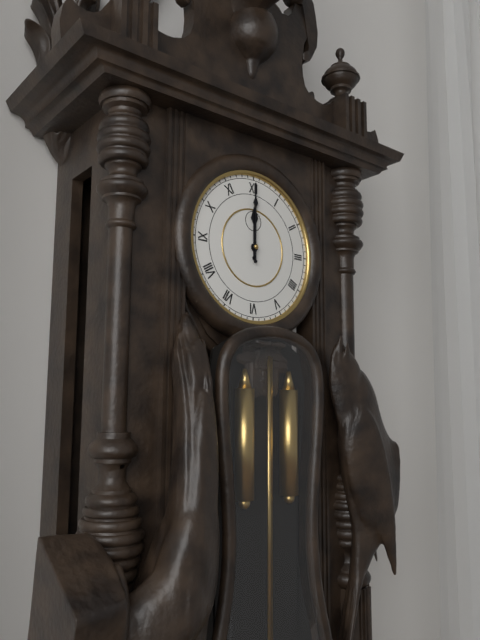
12 h 00 min
